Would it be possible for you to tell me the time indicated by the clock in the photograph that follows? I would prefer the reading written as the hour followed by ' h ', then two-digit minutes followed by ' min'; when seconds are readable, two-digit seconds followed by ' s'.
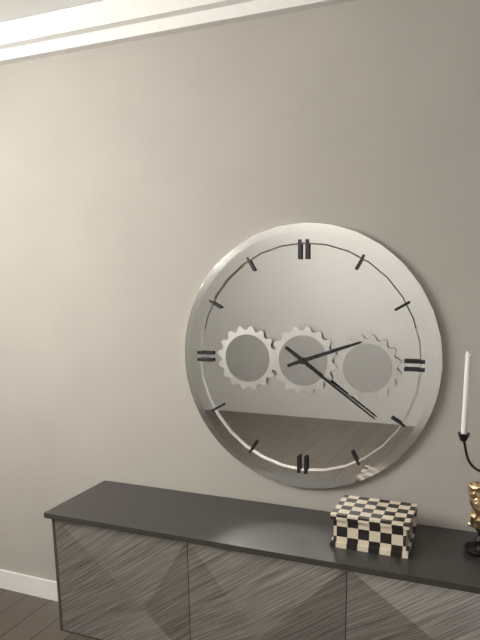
2 h 21 min
